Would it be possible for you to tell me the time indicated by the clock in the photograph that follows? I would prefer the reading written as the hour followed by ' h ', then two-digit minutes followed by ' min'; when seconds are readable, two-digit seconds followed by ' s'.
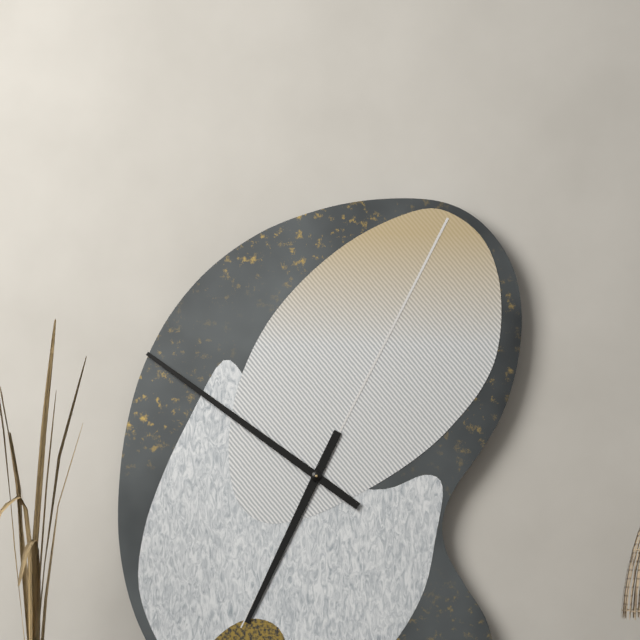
6 h 51 min
